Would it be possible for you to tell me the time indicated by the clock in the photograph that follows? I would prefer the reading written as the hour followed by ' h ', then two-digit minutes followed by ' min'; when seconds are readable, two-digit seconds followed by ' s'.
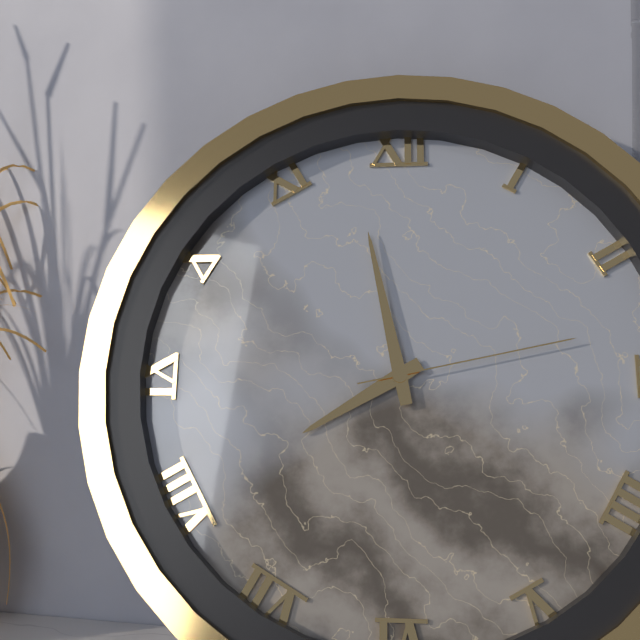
7 h 58 min 13 s
